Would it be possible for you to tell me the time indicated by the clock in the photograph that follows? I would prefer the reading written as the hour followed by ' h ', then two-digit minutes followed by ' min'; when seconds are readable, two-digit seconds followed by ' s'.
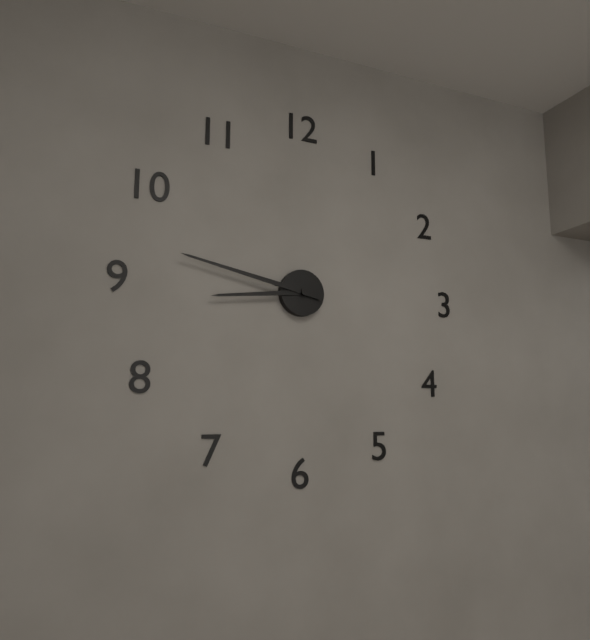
8 h 47 min
